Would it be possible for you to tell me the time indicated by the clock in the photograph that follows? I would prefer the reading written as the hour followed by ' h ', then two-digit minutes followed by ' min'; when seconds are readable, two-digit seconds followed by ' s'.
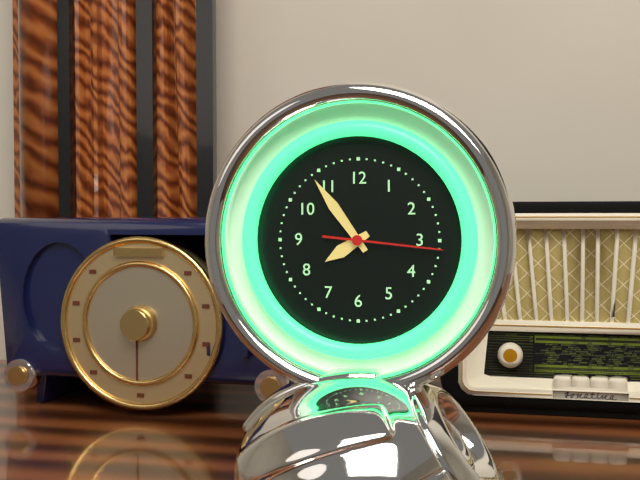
7 h 54 min 16 s
